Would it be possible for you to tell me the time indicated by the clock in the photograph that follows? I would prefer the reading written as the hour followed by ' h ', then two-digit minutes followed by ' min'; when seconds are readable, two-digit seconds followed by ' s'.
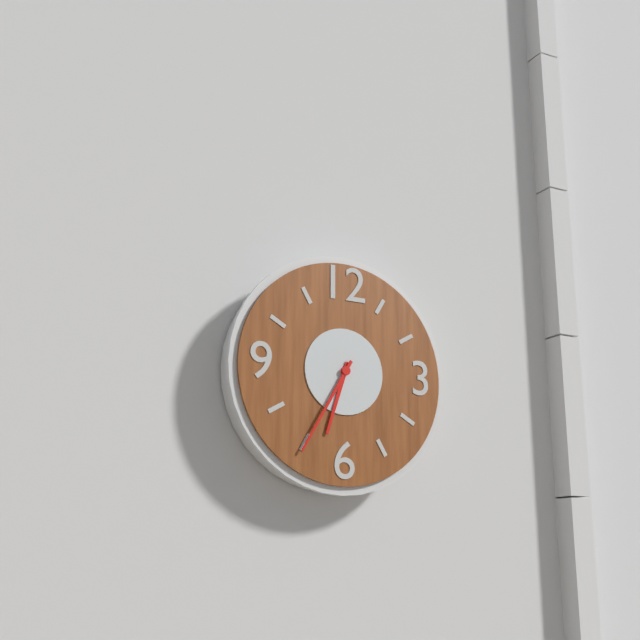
6 h 35 min
